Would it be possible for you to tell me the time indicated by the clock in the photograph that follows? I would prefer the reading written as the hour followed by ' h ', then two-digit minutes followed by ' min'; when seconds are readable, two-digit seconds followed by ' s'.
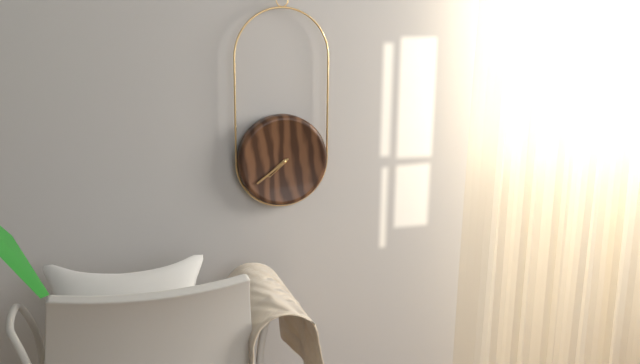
7 h 39 min
